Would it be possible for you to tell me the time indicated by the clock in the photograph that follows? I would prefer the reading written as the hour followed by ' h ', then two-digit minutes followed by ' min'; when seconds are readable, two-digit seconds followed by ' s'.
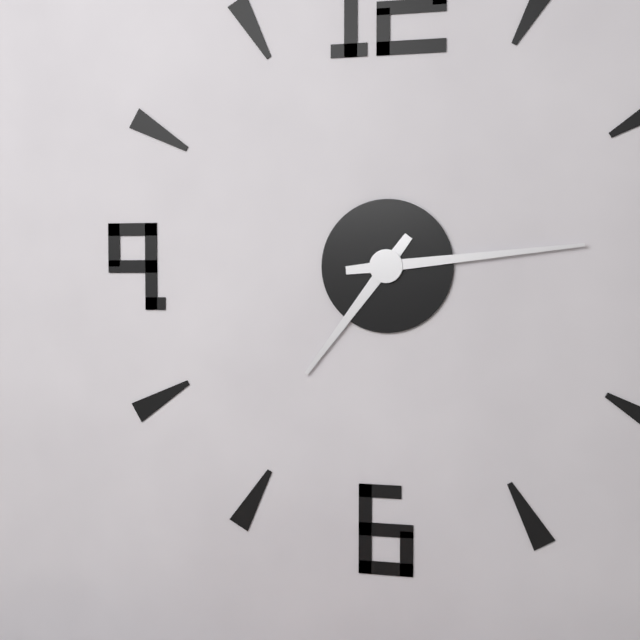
7 h 14 min
